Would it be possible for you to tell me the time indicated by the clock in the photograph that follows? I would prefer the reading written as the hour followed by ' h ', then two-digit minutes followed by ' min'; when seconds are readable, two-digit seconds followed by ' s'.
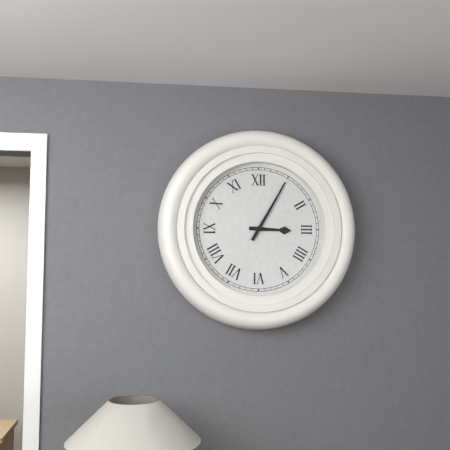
3 h 05 min
